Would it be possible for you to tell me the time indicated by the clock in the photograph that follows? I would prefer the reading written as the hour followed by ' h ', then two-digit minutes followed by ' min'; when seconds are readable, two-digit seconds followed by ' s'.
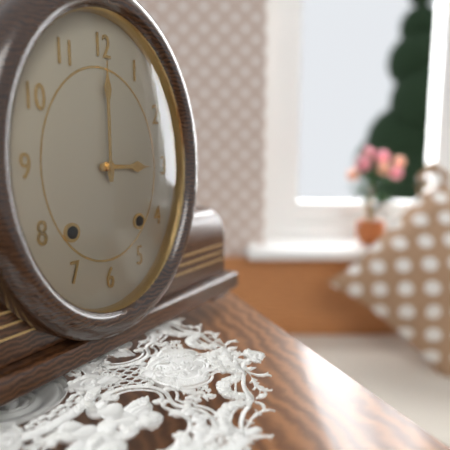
3 h 00 min
